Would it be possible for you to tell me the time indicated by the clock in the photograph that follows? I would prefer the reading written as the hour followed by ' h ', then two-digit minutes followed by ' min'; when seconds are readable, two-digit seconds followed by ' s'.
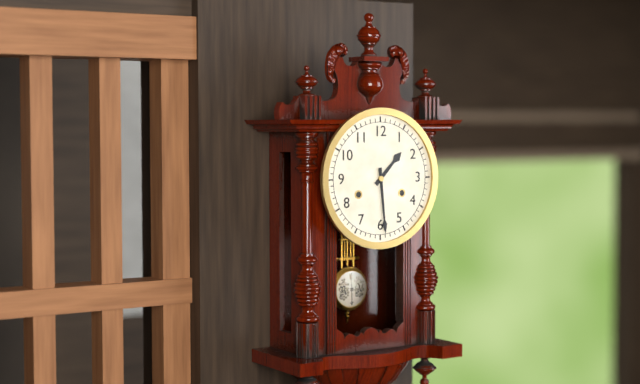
1 h 29 min
